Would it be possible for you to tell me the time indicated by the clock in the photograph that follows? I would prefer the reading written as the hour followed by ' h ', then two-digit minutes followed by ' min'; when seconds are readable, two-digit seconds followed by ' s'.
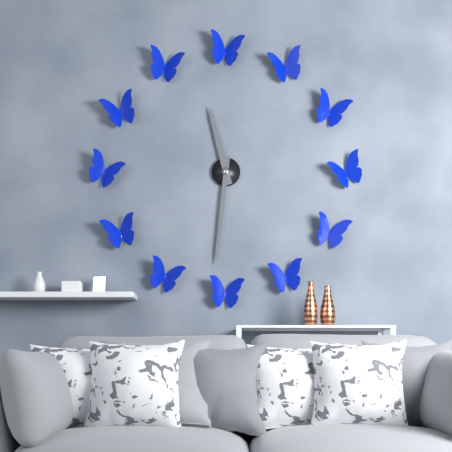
11 h 31 min
